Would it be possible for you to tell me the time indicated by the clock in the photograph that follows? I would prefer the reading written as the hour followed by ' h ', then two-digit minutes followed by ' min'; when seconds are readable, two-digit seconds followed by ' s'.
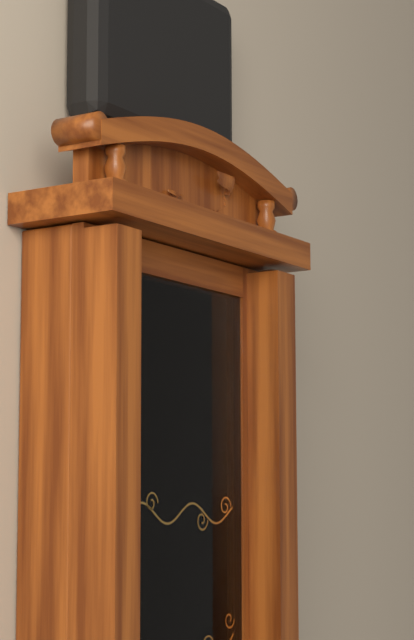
1 h 21 min 10 s
